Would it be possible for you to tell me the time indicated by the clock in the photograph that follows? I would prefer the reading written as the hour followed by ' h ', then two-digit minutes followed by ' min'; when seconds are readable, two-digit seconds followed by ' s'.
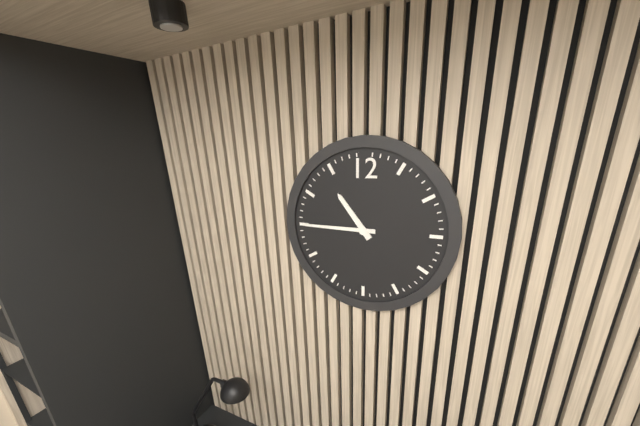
10 h 45 min
